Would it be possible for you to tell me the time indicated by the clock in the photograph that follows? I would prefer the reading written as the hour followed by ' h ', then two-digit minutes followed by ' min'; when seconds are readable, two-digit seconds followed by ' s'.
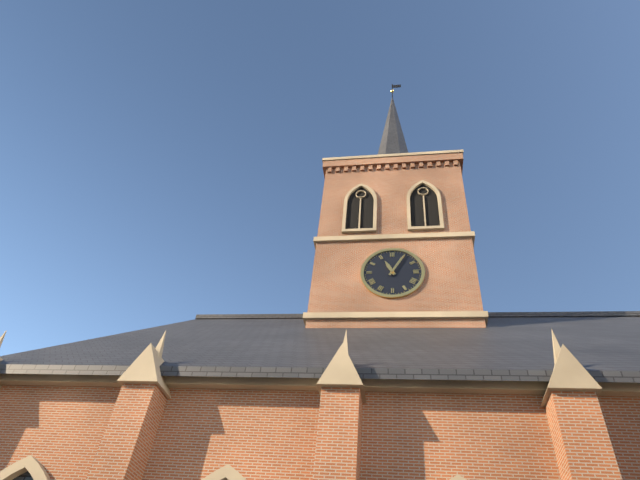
11 h 05 min
